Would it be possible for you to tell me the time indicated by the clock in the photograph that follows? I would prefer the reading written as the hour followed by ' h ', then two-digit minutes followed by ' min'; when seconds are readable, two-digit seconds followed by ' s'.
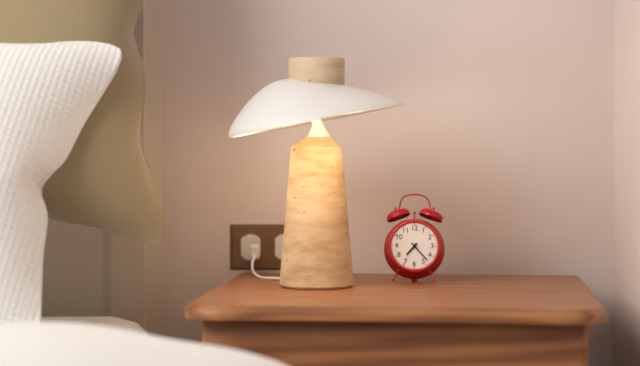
7 h 23 min
